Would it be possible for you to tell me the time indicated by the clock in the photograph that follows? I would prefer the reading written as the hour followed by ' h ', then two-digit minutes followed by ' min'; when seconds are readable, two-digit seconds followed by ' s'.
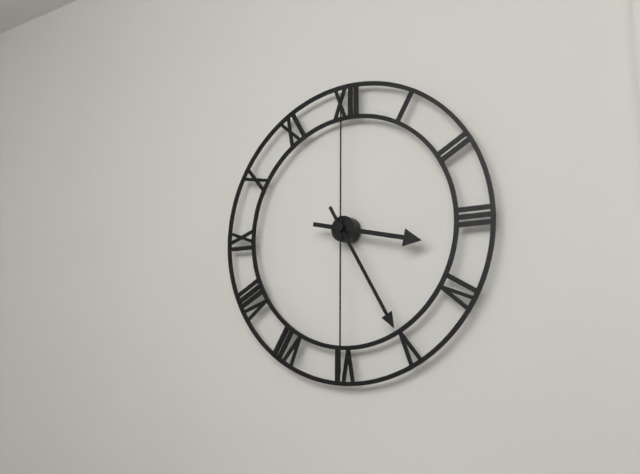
3 h 25 min 30 s
